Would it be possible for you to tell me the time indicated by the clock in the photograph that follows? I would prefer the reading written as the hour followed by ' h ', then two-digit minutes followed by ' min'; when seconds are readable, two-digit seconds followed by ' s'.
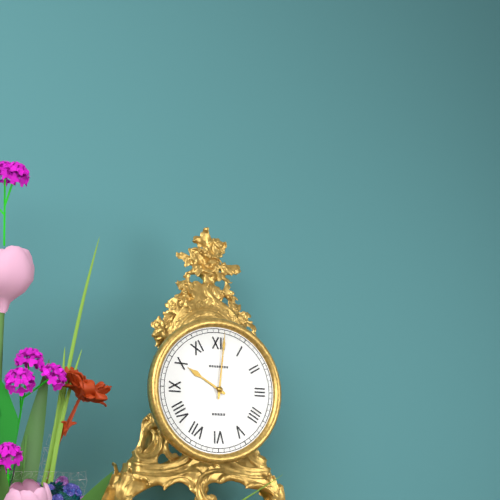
10 h 01 min
